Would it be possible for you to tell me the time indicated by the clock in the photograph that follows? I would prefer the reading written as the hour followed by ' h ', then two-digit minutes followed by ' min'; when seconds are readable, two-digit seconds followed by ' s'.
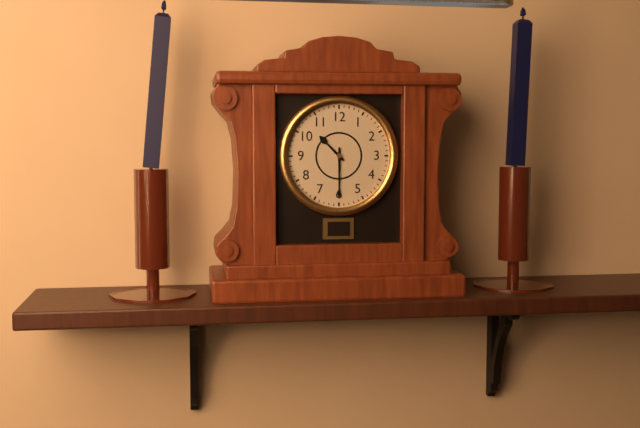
10 h 30 min
